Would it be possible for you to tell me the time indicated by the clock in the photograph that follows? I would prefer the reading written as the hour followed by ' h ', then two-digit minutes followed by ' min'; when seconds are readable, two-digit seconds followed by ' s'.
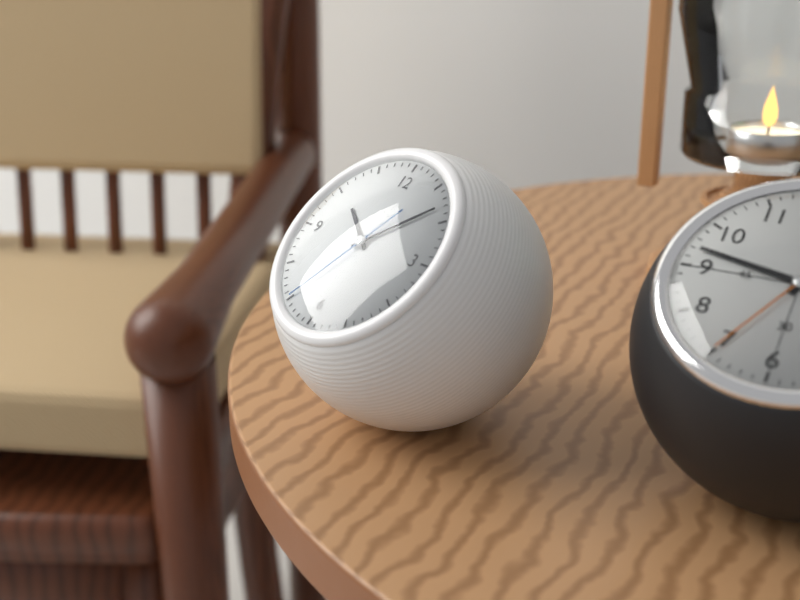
10 h 08 min 35 s
